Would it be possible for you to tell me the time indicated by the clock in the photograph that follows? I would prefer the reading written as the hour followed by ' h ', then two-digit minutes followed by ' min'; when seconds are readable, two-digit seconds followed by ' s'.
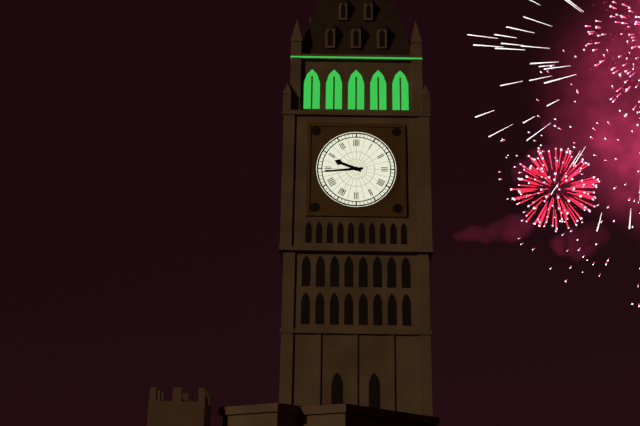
9 h 44 min
